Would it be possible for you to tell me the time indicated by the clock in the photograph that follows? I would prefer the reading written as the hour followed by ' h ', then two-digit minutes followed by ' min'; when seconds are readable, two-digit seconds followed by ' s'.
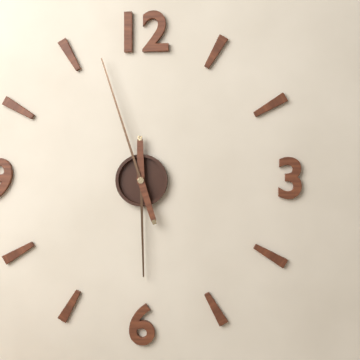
5 h 57 min
